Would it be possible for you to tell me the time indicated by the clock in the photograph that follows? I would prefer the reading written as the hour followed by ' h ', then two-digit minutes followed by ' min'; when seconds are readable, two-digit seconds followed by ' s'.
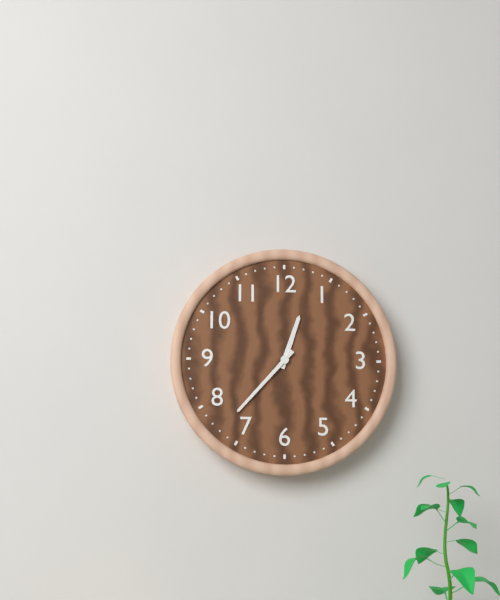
12 h 37 min
